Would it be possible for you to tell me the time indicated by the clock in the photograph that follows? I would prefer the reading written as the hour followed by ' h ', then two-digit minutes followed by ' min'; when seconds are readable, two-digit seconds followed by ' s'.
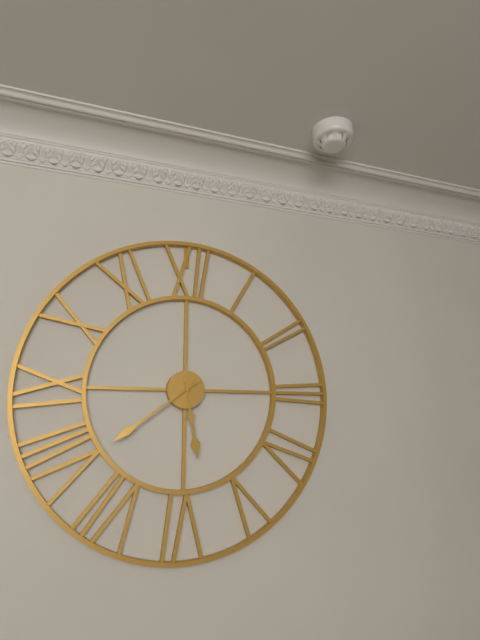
5 h 39 min
